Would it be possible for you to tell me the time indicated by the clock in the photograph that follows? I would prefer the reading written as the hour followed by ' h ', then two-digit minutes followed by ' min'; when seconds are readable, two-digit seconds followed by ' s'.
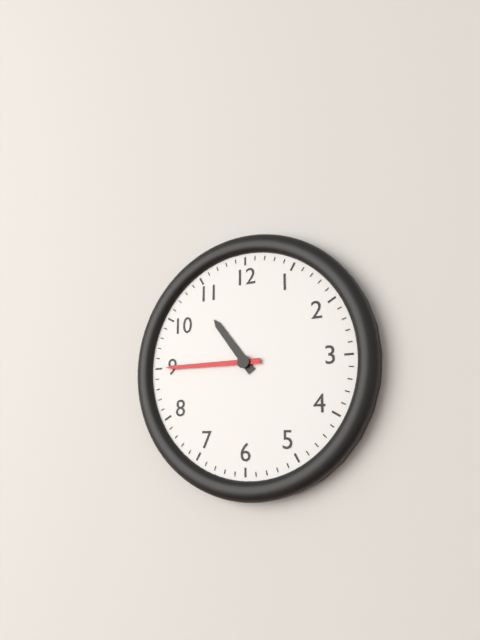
10 h 45 min
